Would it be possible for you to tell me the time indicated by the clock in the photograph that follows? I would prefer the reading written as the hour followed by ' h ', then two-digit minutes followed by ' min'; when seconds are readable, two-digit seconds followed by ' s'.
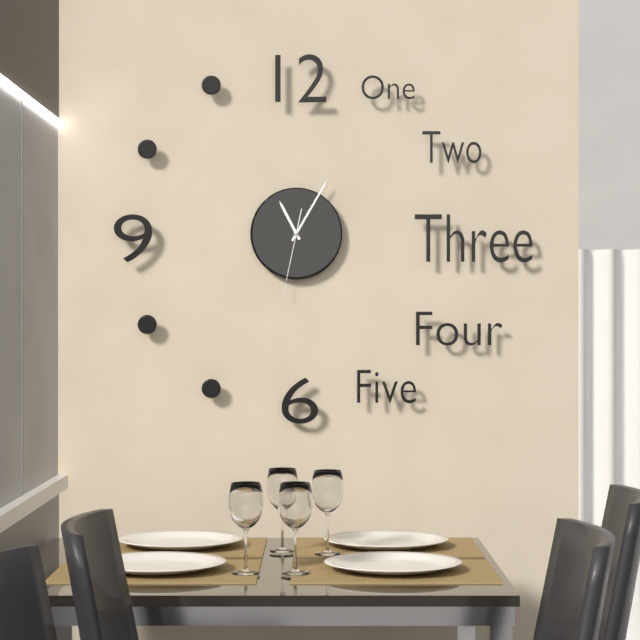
11 h 05 min 32 s
